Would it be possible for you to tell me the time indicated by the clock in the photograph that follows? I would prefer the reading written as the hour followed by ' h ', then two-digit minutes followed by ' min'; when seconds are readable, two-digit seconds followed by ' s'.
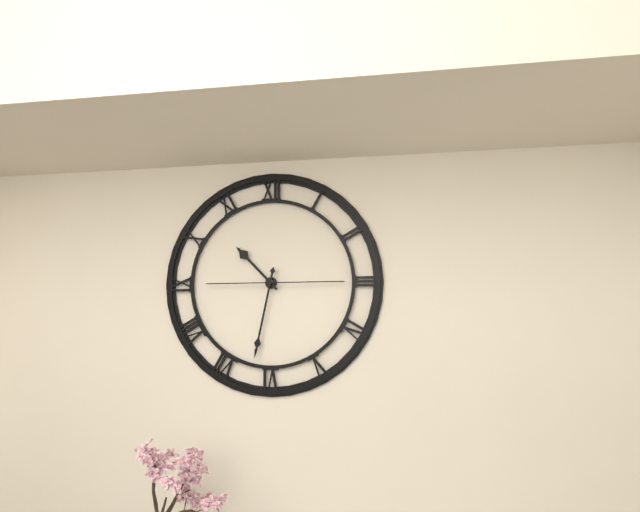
10 h 32 min 15 s
